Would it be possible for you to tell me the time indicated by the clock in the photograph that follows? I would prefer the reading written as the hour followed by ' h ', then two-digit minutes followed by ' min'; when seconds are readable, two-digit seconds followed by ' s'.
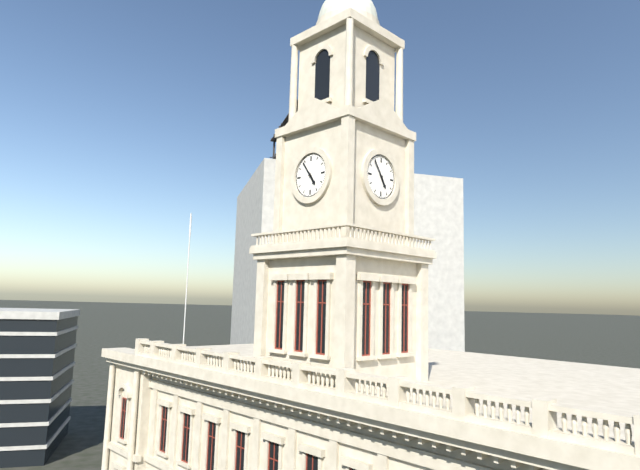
4 h 54 min
